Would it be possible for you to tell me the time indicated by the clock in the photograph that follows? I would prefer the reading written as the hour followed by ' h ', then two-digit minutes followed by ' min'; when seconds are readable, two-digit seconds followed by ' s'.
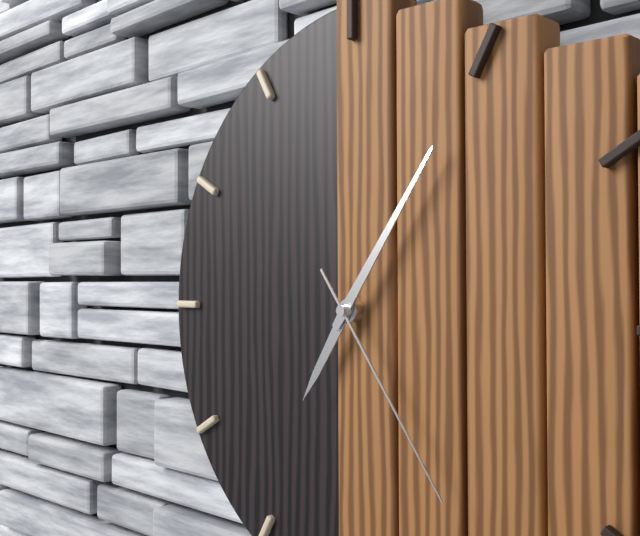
7 h 06 min 24 s
